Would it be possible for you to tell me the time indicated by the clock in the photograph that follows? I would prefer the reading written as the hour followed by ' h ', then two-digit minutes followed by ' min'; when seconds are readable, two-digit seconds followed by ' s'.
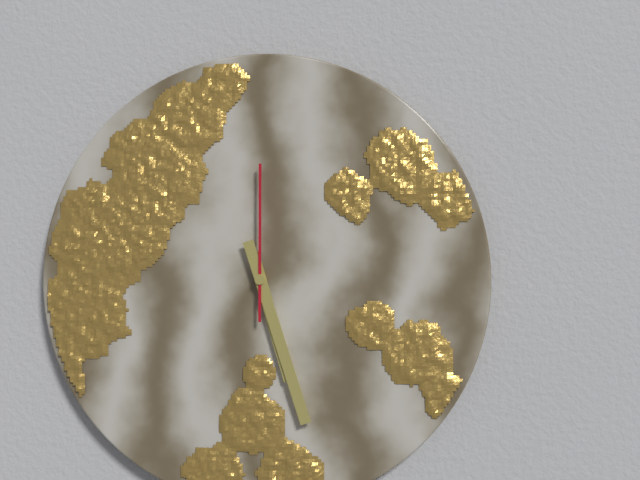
5 h 27 min 00 s
